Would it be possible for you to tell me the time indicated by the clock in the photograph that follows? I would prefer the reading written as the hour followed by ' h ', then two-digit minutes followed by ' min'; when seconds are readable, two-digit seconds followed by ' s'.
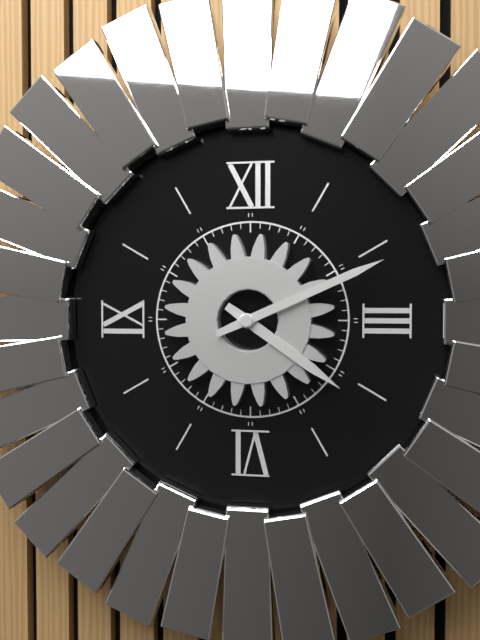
4 h 11 min
